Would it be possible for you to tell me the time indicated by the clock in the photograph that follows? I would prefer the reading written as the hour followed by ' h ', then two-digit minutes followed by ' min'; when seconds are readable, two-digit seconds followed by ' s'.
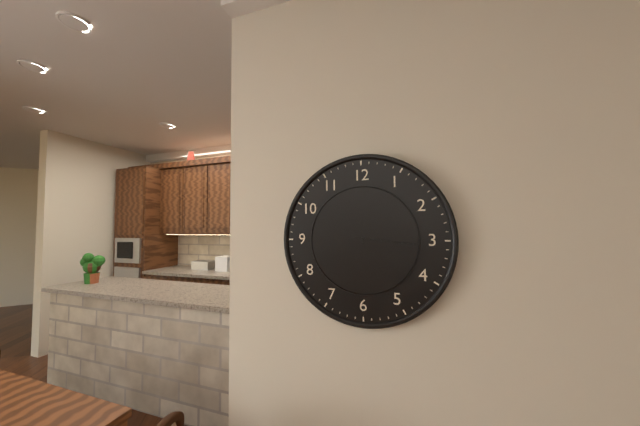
3 h 16 min
